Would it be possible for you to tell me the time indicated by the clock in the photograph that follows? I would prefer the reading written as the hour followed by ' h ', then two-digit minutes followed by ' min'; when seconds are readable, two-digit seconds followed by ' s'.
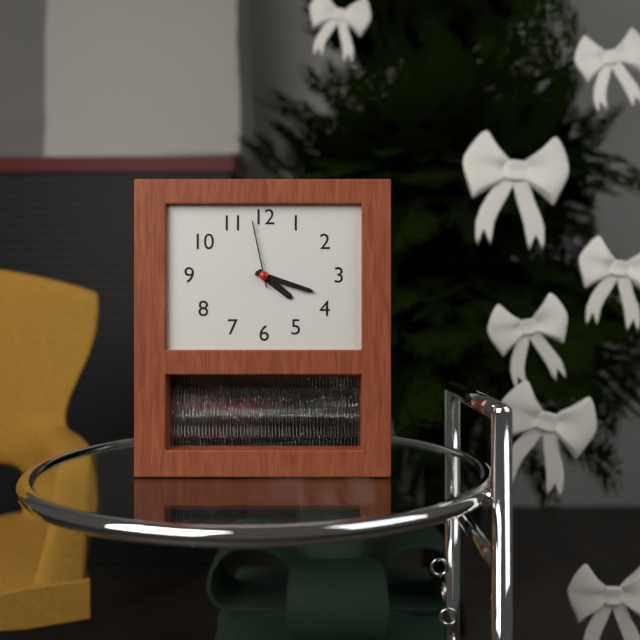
4 h 18 min 58 s
